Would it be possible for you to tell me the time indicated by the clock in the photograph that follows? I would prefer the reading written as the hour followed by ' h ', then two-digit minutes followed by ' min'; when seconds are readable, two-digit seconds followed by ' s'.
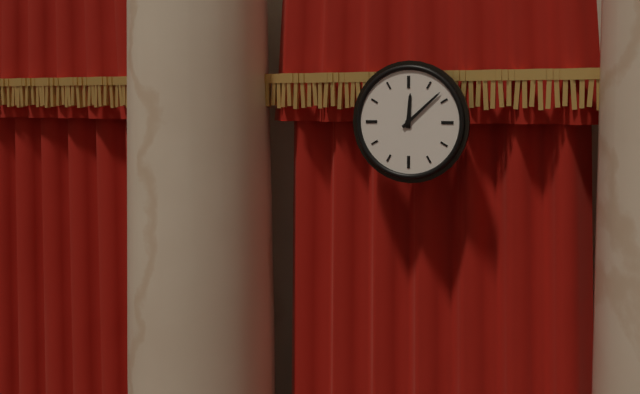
12 h 08 min
